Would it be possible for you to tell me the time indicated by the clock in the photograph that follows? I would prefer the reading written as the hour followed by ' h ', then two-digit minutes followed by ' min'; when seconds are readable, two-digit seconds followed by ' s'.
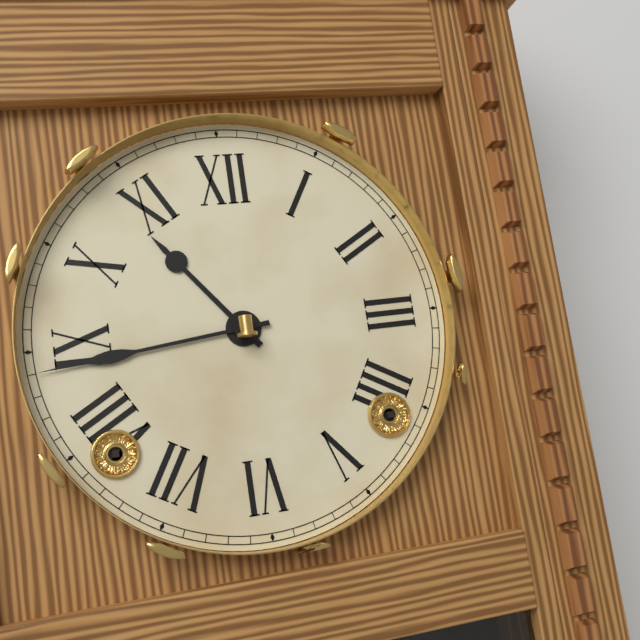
10 h 44 min
